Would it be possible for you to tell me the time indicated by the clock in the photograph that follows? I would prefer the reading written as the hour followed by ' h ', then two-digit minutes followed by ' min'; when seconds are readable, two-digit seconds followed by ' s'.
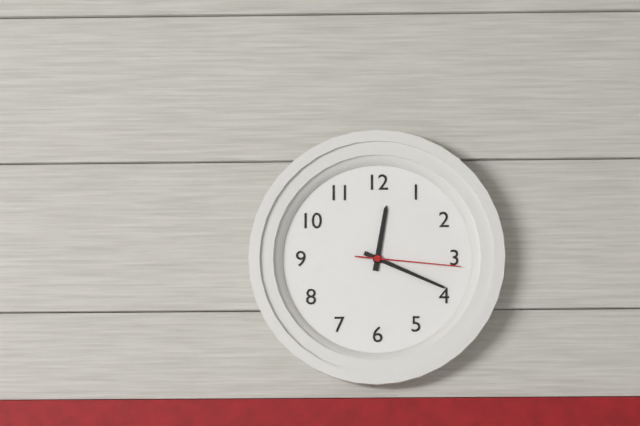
12 h 19 min 16 s
